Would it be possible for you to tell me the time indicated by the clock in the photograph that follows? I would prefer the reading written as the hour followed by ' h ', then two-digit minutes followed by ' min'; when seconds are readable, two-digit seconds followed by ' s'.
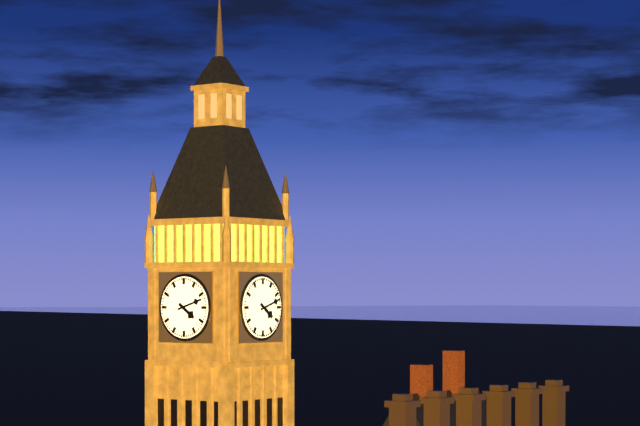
4 h 12 min
